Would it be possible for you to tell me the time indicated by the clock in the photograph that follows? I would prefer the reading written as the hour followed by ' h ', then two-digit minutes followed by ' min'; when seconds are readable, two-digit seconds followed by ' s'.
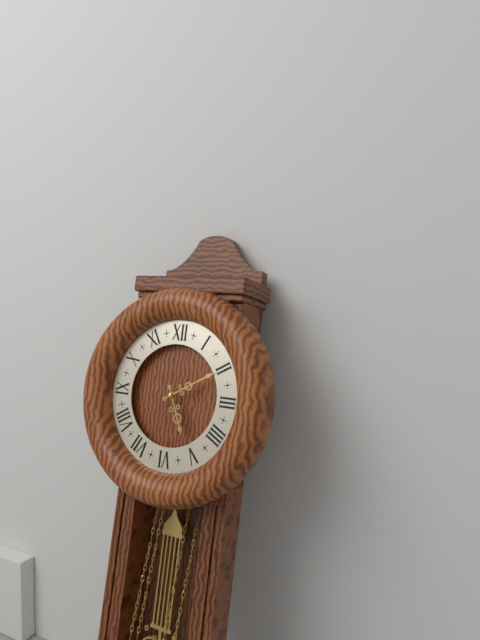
5 h 10 min
